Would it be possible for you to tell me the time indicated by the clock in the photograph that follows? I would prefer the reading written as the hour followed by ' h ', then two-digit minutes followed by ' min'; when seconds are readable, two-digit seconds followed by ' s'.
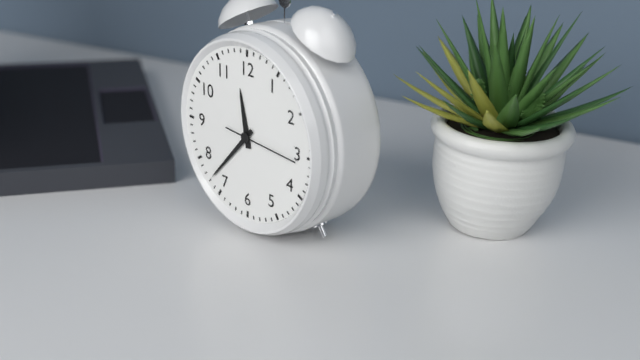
11 h 37 min 16 s
